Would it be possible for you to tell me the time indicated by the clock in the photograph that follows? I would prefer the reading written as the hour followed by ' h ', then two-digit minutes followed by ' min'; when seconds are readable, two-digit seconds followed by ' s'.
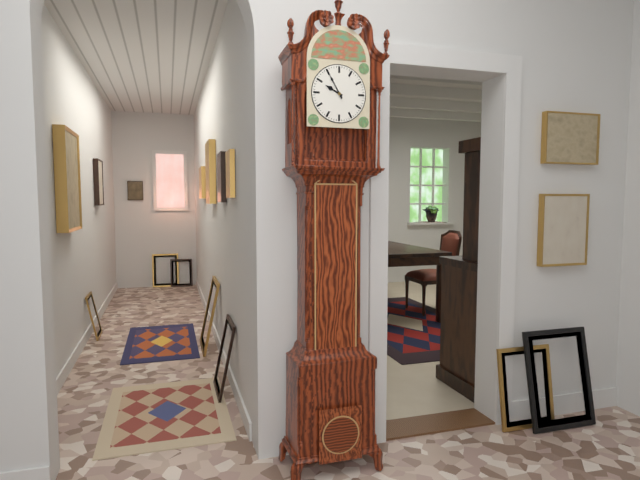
9 h 55 min
